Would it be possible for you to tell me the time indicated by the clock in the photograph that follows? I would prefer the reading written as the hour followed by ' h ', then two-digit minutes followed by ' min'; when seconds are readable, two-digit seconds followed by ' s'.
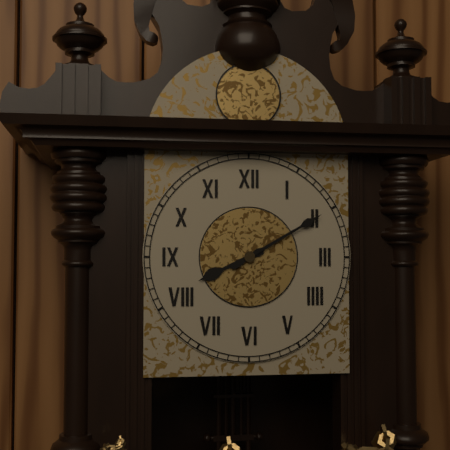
8 h 10 min
